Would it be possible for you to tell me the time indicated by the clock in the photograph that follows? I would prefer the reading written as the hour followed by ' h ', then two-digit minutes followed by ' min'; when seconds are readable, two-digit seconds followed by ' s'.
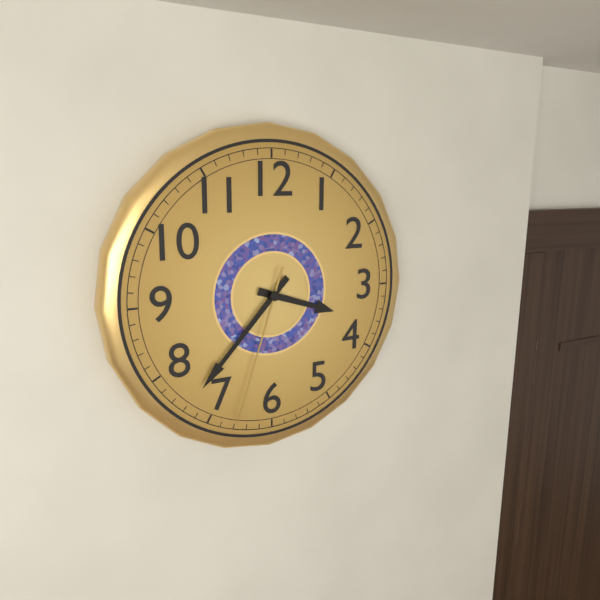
3 h 37 min 33 s
